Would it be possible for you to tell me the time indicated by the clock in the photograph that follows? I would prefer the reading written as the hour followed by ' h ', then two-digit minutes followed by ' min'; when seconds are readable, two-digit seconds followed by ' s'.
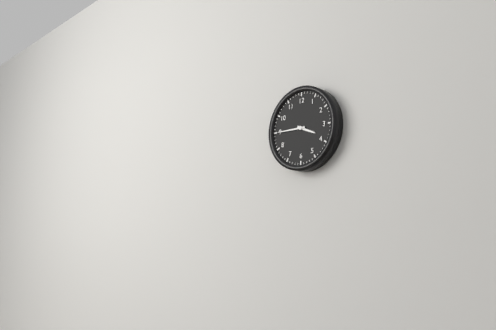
3 h 45 min
